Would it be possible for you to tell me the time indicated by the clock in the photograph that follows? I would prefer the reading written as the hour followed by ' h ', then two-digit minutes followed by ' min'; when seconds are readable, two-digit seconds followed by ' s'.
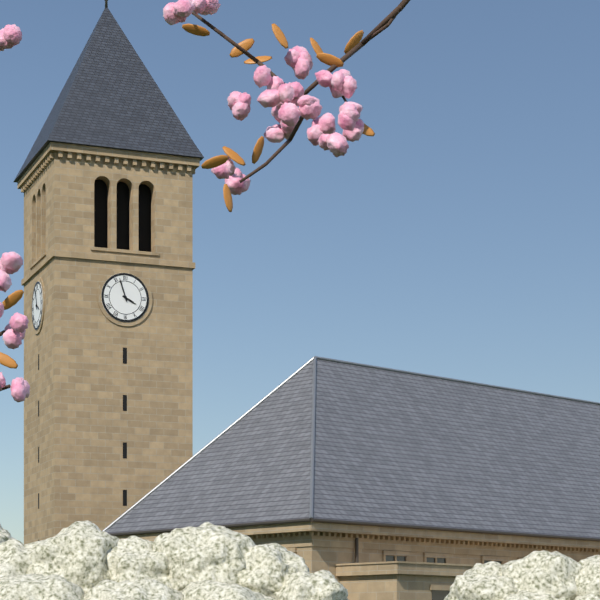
3 h 57 min
